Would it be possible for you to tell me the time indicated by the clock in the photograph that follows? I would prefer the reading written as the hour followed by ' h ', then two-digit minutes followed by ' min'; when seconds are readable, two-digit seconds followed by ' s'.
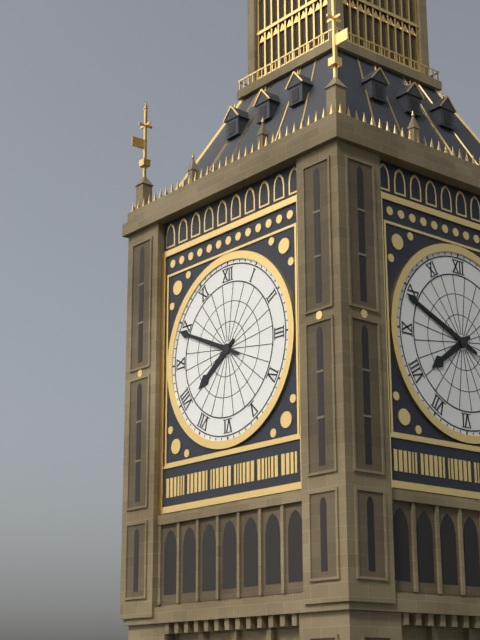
7 h 49 min
